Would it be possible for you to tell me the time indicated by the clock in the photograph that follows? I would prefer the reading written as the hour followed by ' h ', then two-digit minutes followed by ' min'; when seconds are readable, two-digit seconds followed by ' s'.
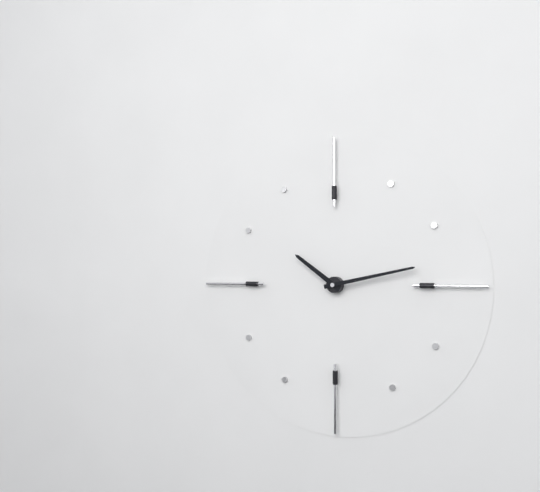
10 h 13 min
